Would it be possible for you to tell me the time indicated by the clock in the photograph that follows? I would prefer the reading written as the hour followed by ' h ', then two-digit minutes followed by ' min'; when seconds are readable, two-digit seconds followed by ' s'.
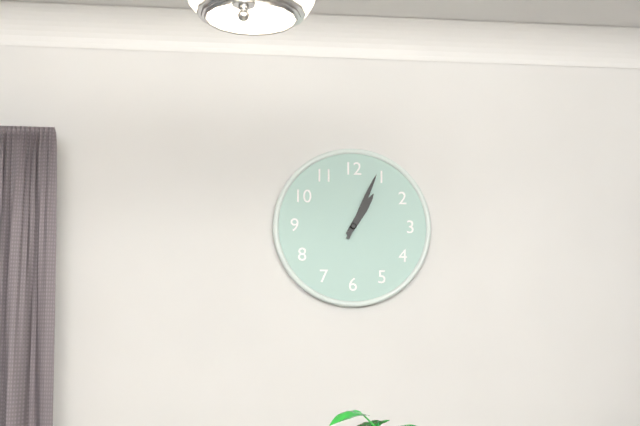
1 h 04 min
